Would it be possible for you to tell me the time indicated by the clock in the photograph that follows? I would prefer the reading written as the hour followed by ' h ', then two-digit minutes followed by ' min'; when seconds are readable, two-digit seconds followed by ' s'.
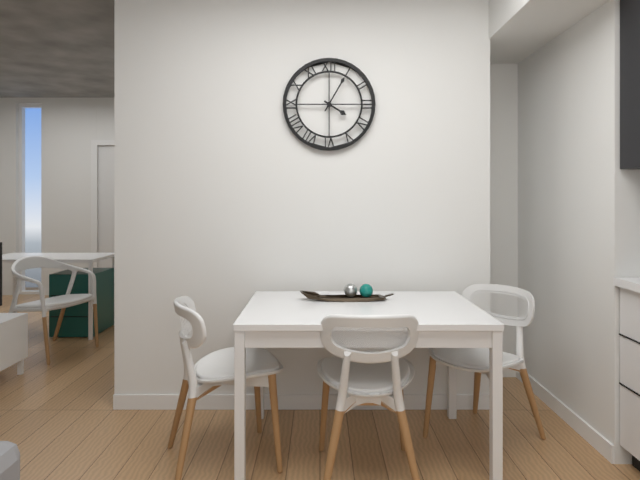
4 h 05 min
